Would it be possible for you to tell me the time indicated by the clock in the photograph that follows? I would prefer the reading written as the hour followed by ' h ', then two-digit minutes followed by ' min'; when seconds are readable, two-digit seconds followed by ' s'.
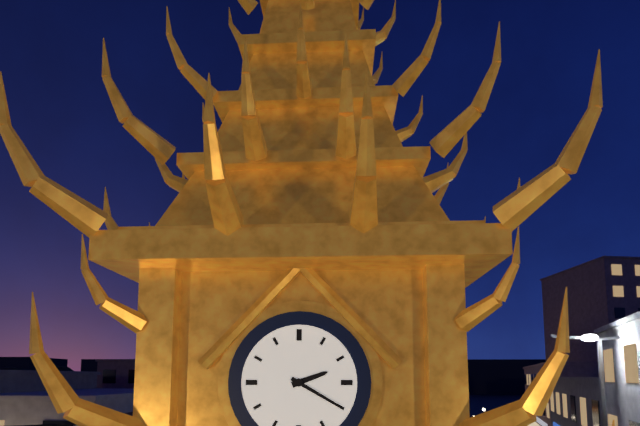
2 h 20 min
